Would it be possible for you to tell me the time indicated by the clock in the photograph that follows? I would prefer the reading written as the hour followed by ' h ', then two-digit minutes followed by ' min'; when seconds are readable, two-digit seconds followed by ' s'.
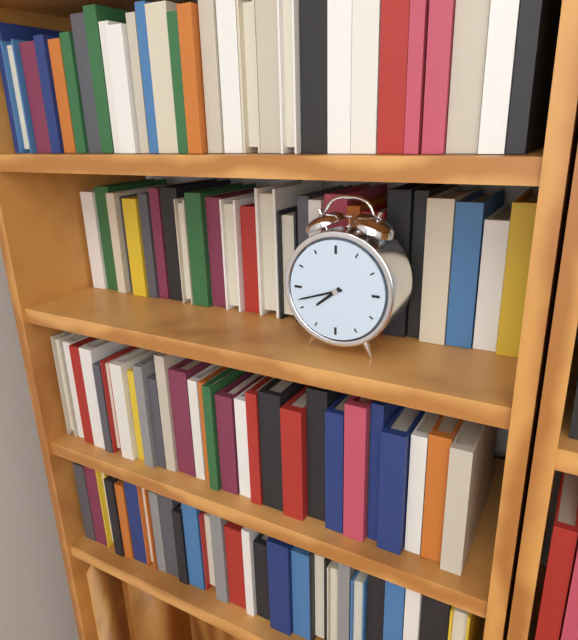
7 h 42 min
